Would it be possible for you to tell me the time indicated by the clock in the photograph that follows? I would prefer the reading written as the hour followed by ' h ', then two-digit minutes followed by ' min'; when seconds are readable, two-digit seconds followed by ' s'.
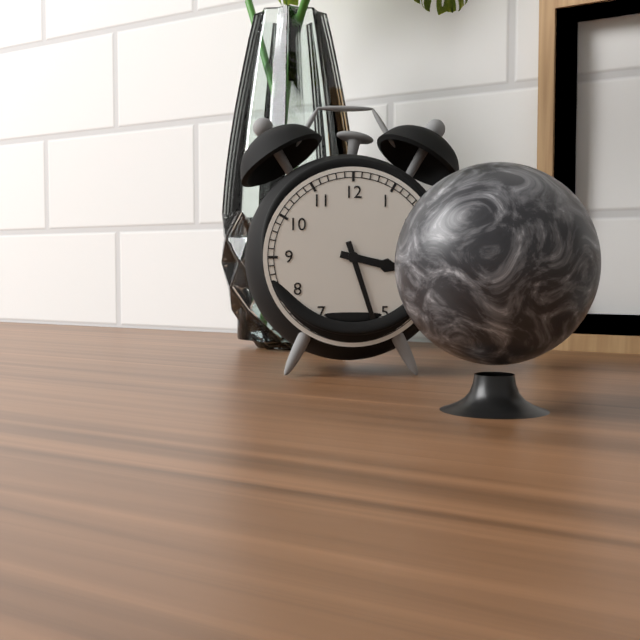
3 h 27 min
